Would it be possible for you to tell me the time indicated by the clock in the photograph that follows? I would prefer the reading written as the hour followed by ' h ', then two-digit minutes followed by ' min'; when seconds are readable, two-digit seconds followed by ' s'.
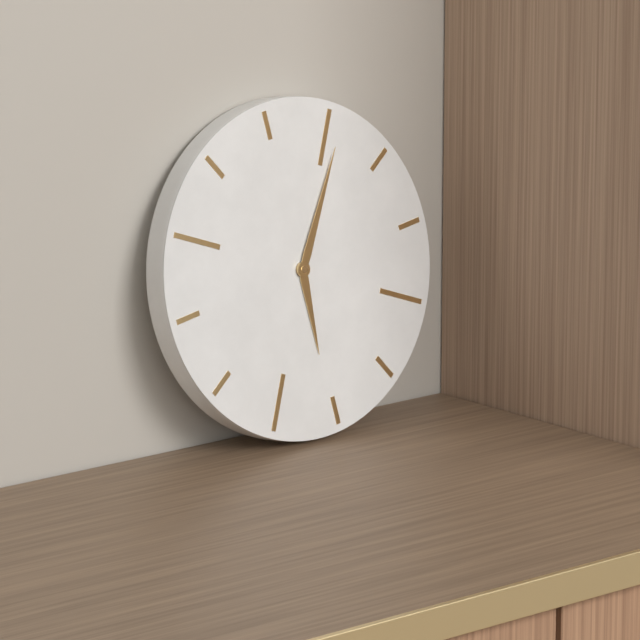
6 h 06 min
